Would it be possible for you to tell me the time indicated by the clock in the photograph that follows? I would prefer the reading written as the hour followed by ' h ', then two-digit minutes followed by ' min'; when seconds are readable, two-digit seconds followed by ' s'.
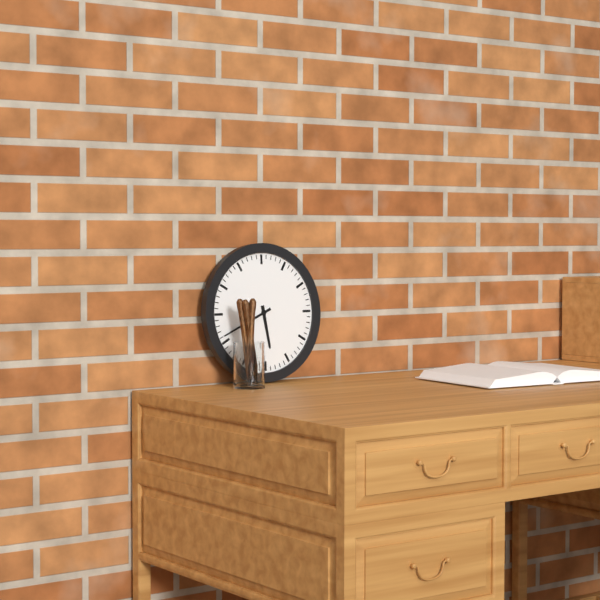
5 h 41 min
